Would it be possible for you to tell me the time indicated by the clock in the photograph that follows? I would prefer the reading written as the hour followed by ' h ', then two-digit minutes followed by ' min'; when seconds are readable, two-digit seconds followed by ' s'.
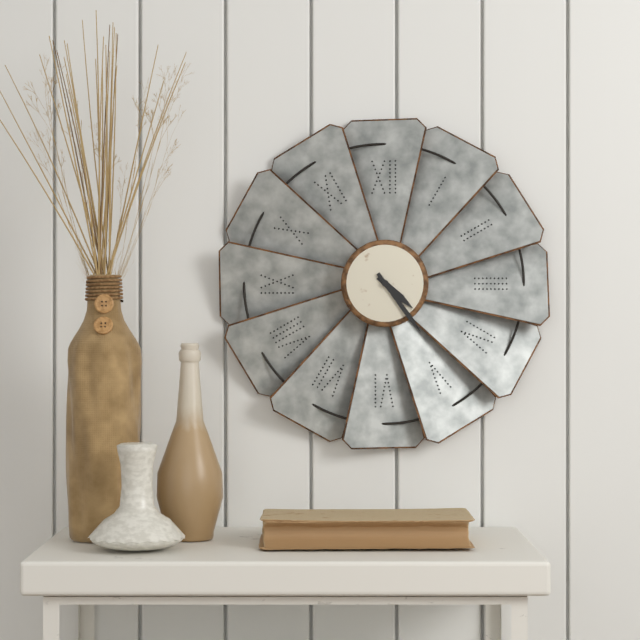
4 h 24 min
